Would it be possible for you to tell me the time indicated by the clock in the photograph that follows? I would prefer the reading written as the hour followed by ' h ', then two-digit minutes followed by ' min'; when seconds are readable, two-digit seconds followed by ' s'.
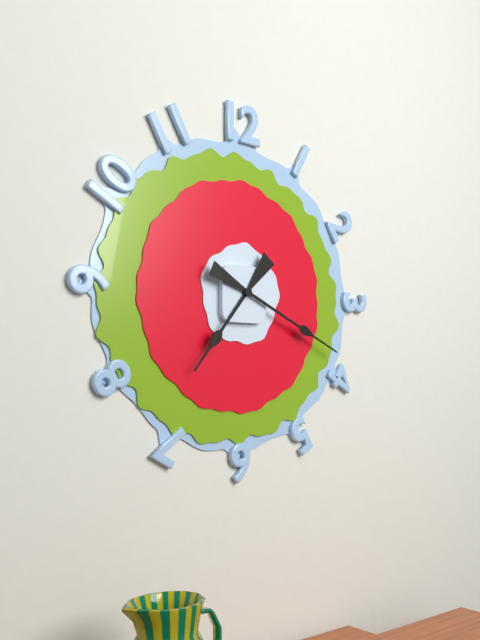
7 h 19 min
